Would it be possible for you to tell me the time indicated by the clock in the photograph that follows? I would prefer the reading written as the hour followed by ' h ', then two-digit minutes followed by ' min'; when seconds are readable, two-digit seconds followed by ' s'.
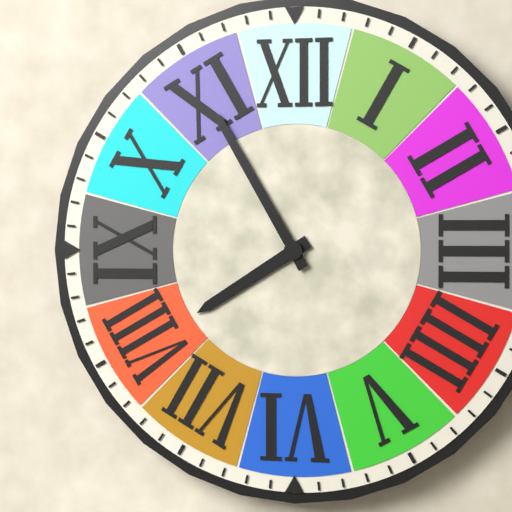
7 h 55 min
